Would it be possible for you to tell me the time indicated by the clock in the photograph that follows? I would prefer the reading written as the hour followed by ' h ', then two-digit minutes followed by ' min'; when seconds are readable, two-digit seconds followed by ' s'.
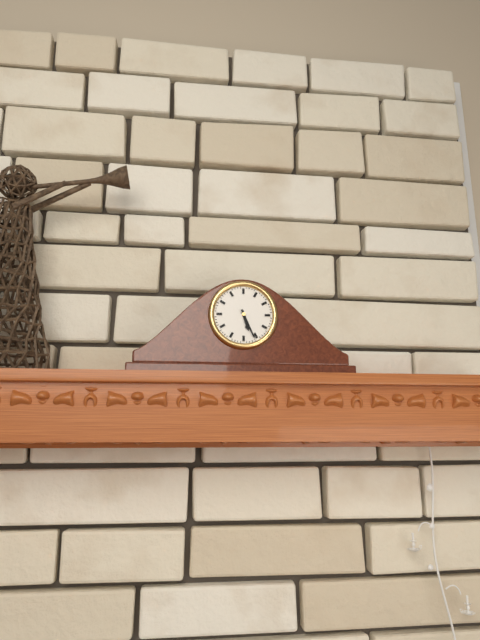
5 h 26 min
